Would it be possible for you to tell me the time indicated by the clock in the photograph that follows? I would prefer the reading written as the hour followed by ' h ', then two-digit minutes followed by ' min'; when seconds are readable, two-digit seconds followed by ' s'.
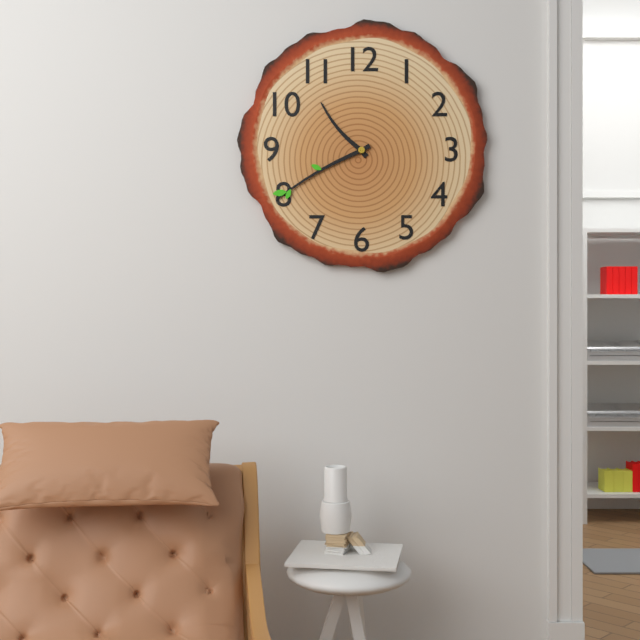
10 h 40 min
